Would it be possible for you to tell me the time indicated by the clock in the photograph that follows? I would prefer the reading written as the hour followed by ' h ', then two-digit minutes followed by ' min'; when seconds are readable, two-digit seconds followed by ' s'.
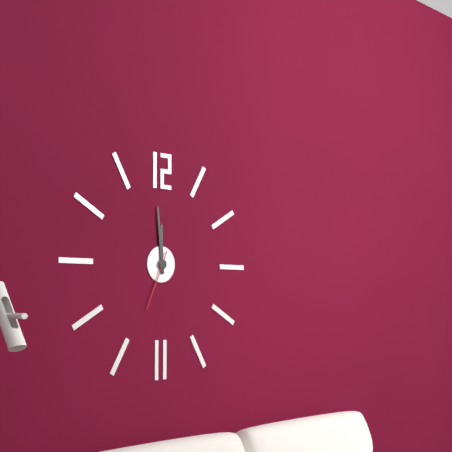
11 h 59 min 34 s
